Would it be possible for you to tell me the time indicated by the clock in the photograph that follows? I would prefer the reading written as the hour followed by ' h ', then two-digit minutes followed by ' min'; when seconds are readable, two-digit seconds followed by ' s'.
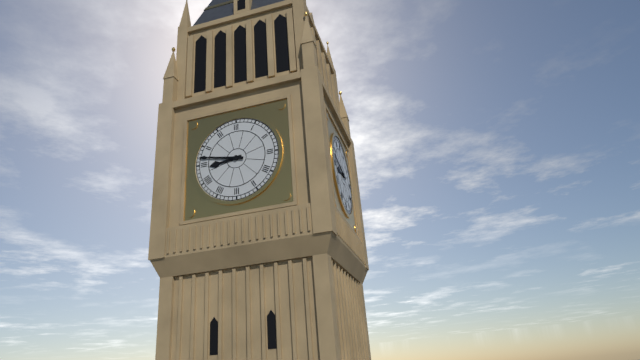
8 h 47 min
